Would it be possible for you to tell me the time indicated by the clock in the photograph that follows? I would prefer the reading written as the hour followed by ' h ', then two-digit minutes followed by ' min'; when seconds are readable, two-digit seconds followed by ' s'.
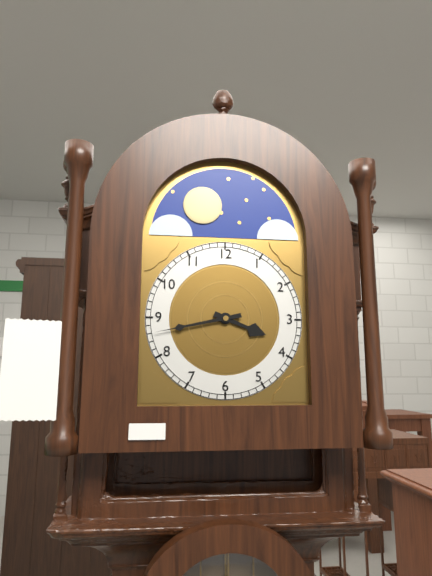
3 h 43 min
